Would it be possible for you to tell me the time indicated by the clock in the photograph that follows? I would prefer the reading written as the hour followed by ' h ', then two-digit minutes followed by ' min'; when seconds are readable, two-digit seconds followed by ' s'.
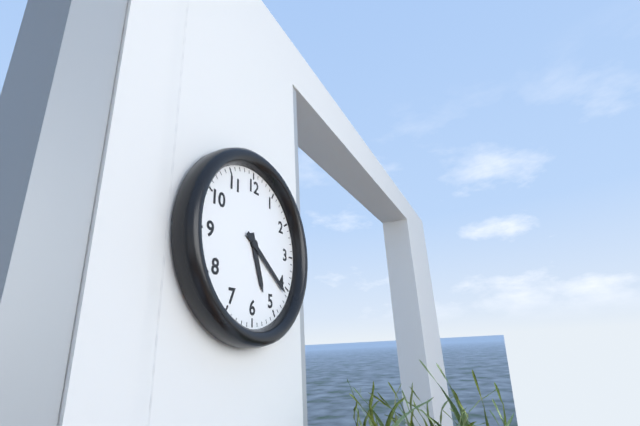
5 h 21 min
